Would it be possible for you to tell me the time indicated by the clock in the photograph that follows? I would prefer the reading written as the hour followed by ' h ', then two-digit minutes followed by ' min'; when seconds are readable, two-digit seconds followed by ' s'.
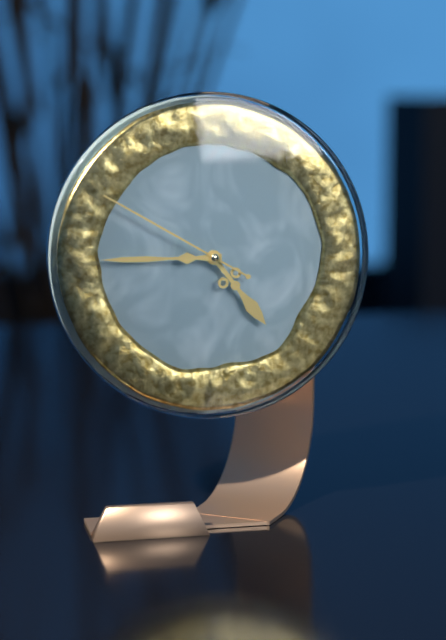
4 h 45 min 50 s
